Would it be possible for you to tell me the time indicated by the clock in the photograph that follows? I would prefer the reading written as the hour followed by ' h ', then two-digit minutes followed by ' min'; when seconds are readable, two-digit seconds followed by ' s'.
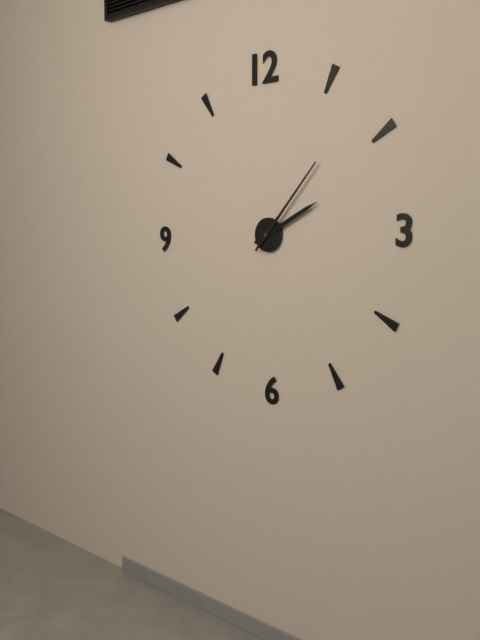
2 h 07 min
